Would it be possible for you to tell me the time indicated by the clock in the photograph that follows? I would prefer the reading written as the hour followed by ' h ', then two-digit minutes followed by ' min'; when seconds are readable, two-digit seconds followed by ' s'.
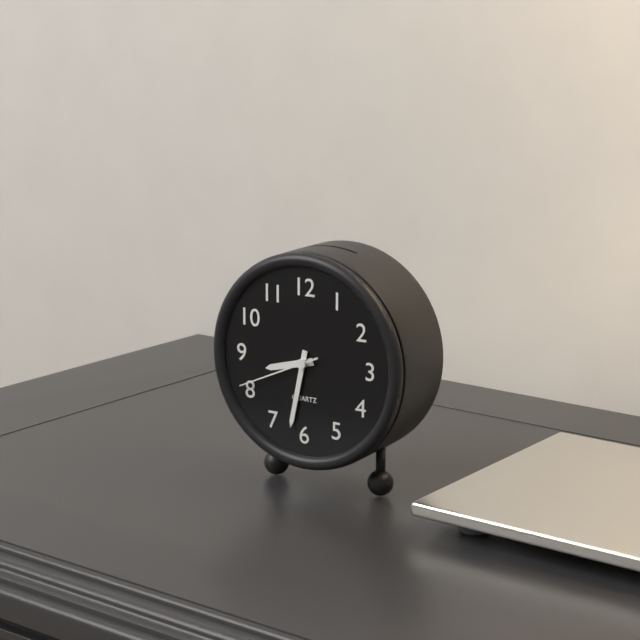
8 h 32 min 41 s
